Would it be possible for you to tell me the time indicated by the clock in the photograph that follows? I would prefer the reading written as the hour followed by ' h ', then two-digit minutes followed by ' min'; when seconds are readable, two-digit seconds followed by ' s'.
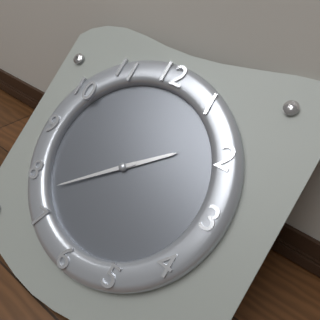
1 h 38 min
